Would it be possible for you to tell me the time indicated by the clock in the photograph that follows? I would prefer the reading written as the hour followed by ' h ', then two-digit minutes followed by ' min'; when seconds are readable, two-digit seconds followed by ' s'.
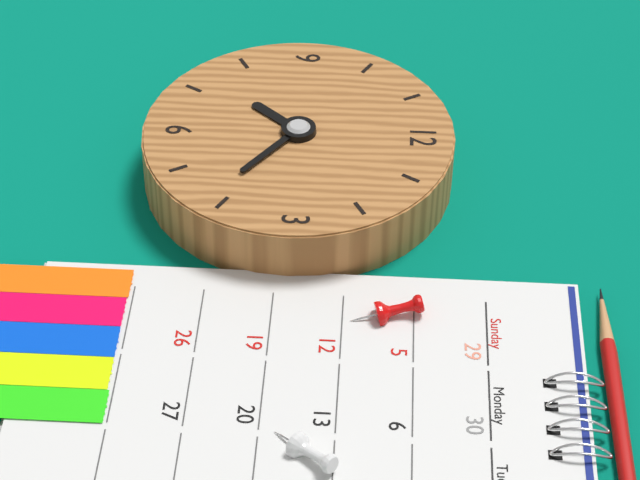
7 h 21 min
